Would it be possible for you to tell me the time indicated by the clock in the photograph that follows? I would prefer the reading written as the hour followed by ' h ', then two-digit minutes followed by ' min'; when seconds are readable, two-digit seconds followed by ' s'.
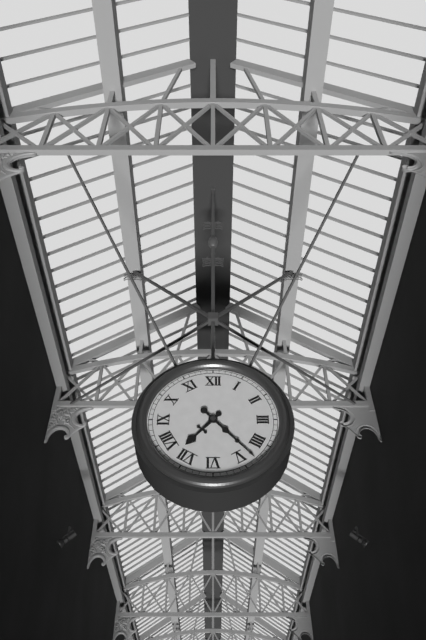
7 h 23 min
